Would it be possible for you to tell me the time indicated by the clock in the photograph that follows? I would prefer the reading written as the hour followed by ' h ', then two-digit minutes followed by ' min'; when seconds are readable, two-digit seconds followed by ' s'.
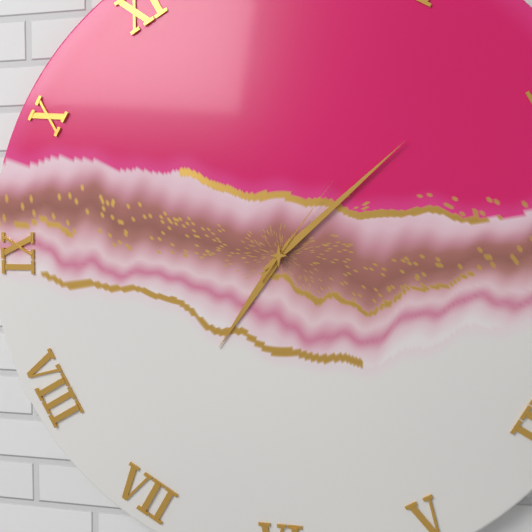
7 h 08 min 06 s
